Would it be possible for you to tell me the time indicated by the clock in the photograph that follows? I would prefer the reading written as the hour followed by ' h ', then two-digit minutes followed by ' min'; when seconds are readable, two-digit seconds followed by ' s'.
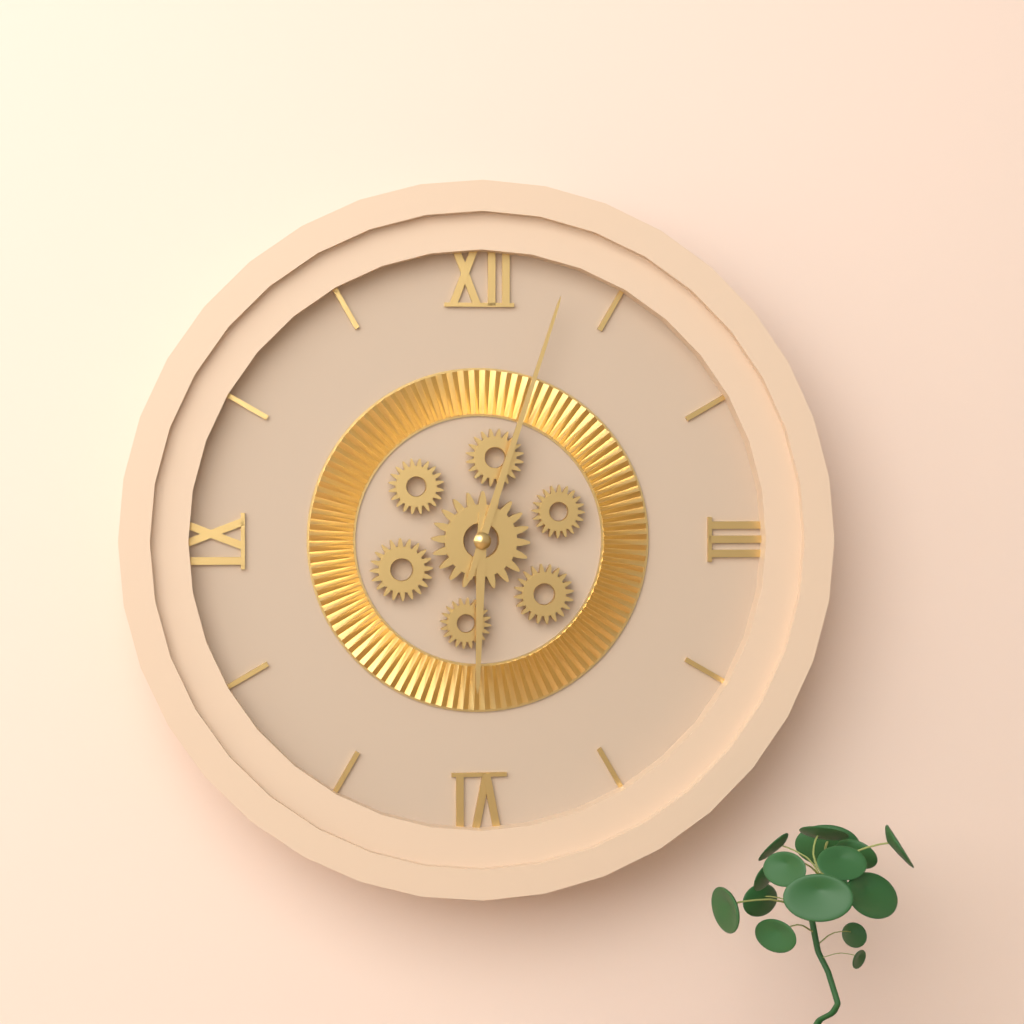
6 h 03 min
